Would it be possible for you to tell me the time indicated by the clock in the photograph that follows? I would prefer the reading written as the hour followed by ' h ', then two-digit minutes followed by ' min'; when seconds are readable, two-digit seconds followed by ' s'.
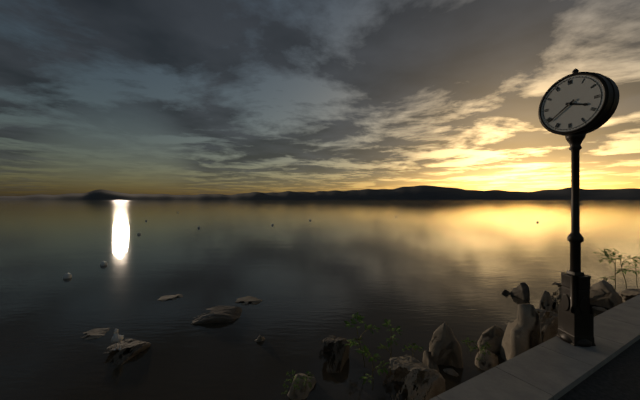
3 h 39 min
